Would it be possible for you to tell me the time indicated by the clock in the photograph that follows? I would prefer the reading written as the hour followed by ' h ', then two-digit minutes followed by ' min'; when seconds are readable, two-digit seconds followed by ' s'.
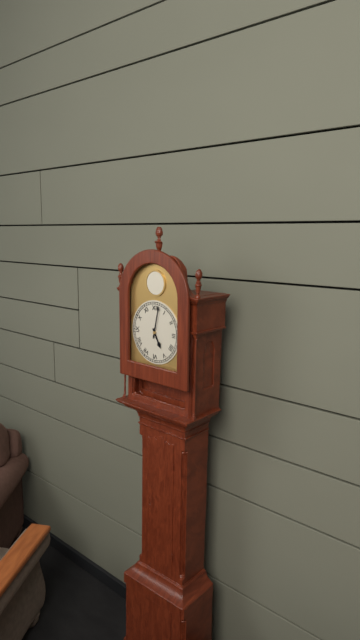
5 h 02 min
